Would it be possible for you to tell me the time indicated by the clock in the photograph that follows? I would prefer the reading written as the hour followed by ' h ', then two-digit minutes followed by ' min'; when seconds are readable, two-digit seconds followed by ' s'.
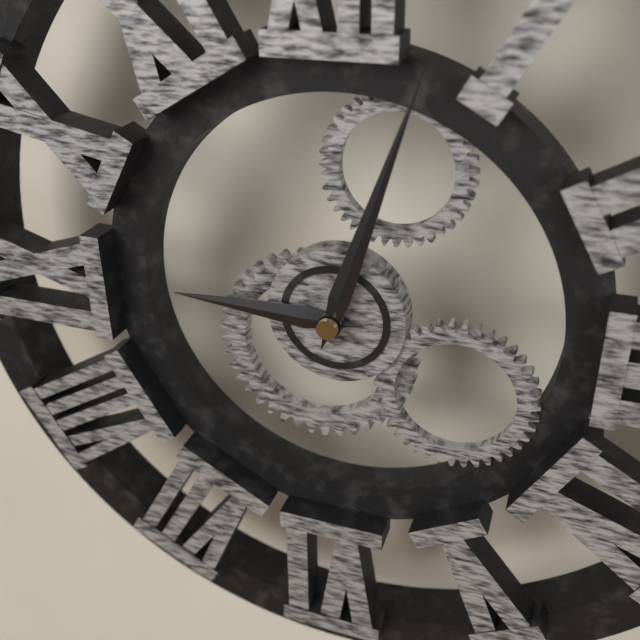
9 h 03 min
